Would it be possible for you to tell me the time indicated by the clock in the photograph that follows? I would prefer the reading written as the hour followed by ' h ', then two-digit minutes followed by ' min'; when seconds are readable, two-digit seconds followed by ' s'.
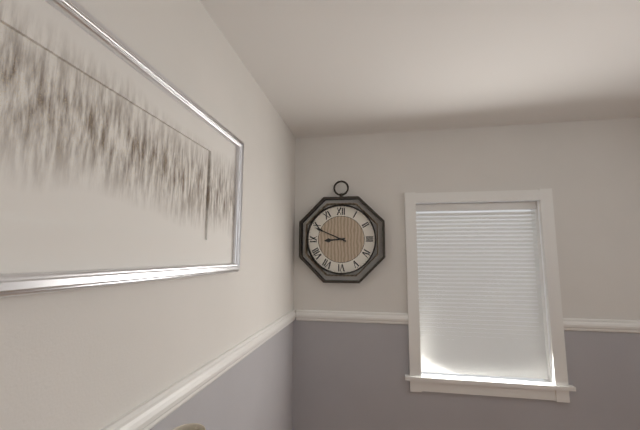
8 h 49 min
